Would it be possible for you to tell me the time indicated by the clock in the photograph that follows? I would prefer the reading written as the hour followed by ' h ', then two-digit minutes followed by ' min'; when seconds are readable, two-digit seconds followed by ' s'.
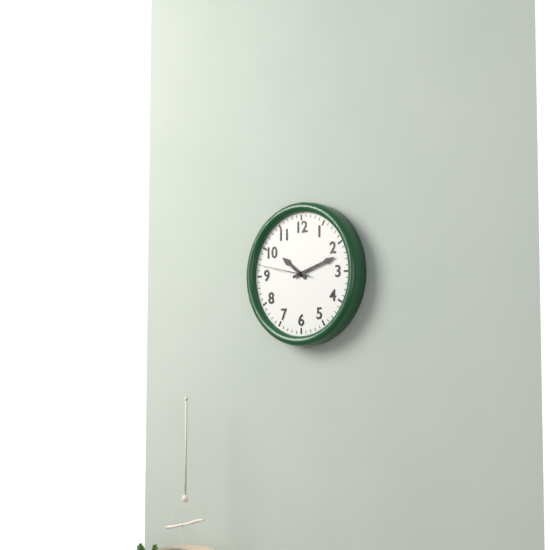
10 h 12 min 47 s
